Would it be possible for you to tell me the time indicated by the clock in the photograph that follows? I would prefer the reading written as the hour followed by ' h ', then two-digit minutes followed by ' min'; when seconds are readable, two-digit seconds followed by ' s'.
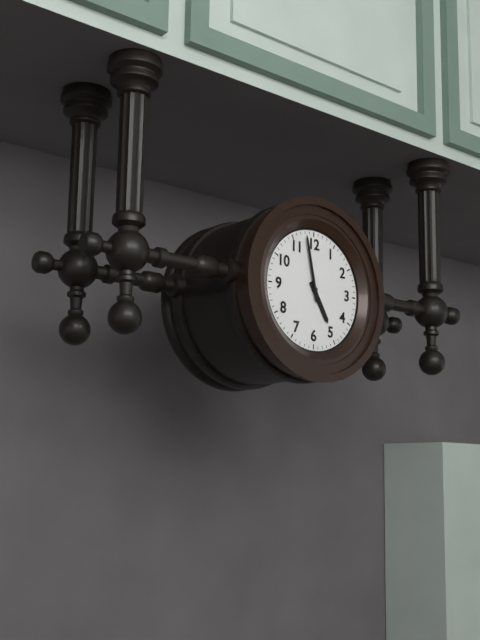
4 h 58 min
